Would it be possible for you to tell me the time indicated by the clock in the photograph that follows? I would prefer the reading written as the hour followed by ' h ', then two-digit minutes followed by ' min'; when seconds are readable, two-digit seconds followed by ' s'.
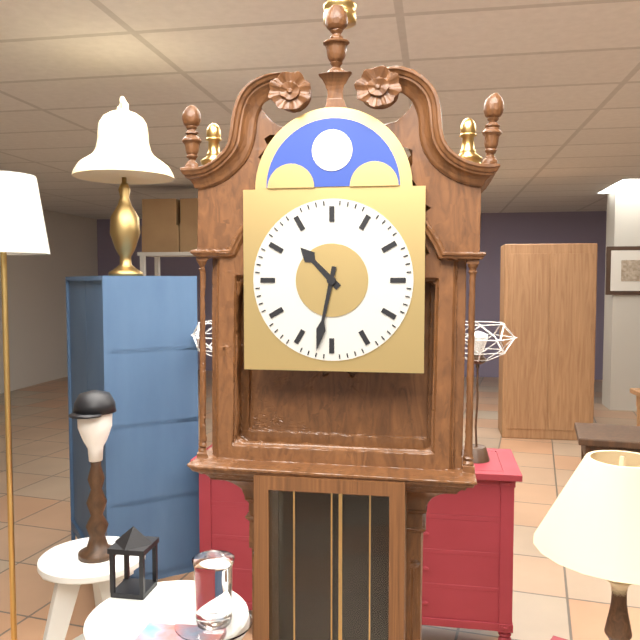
10 h 32 min
